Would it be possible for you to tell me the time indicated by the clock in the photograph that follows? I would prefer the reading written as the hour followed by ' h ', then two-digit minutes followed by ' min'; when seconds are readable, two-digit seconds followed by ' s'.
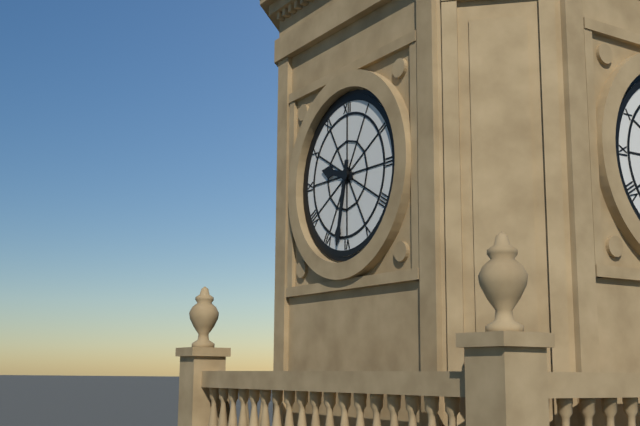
9 h 32 min
